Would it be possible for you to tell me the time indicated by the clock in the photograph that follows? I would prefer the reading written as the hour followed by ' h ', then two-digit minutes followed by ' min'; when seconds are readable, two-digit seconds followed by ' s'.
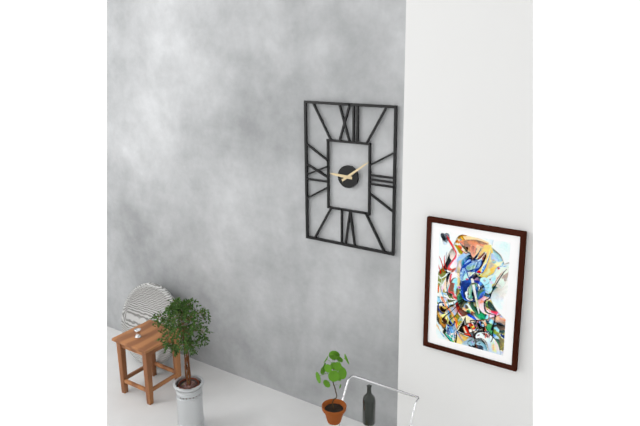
9 h 09 min
